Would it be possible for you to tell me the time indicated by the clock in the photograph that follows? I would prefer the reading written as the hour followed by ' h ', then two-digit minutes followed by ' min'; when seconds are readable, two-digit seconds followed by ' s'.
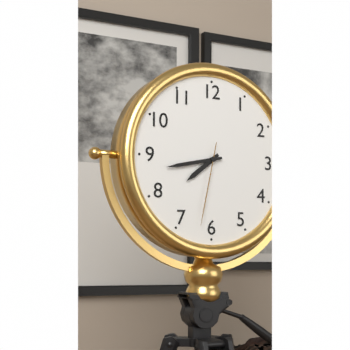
7 h 43 min 32 s
